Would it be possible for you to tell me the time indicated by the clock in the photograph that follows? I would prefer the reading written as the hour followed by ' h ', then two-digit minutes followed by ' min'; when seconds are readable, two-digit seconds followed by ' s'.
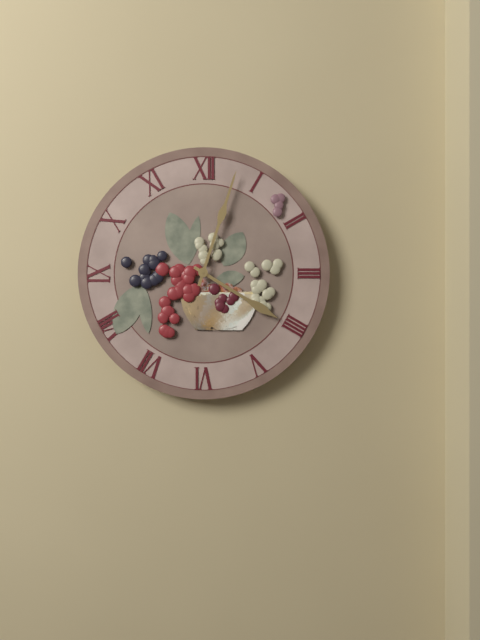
4 h 03 min
